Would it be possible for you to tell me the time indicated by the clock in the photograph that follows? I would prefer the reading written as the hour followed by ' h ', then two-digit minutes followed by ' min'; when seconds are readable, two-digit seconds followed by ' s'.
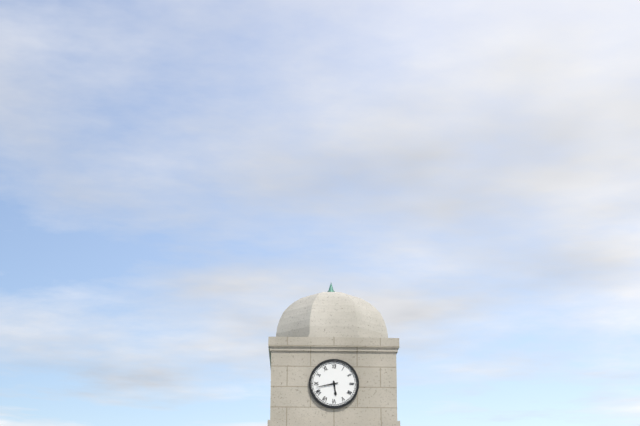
5 h 43 min
